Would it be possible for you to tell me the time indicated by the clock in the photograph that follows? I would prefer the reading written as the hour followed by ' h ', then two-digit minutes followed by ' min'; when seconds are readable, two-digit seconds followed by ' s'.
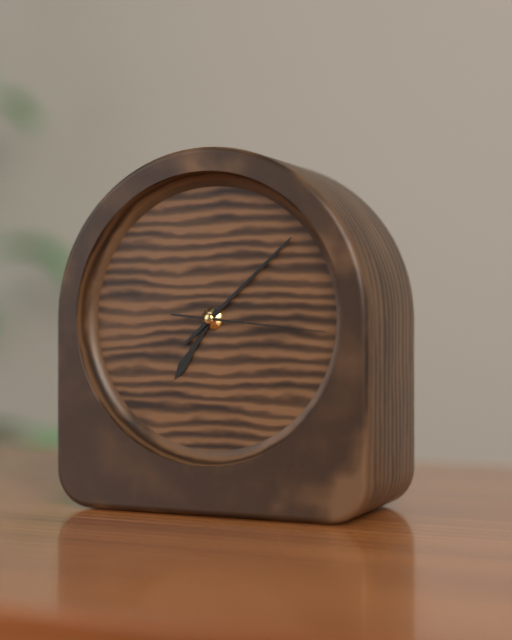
7 h 08 min 16 s
